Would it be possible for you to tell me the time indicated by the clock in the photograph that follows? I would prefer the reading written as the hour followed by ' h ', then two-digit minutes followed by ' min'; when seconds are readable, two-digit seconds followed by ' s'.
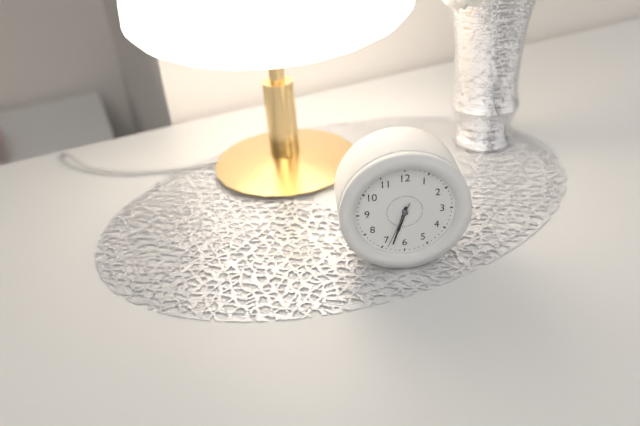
6 h 33 min 34 s
